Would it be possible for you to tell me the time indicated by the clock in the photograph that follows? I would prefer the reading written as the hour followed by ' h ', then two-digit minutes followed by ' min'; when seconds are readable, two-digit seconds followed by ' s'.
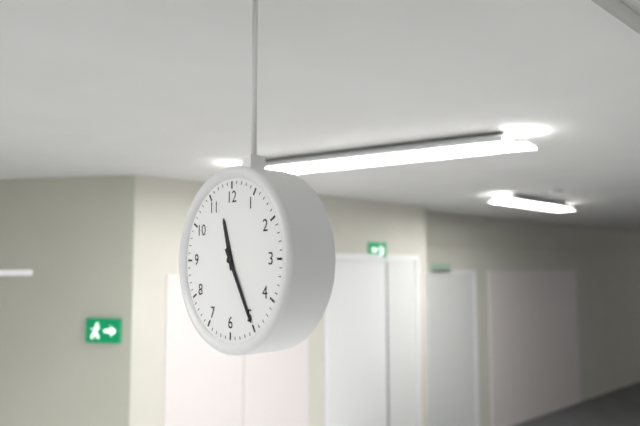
11 h 25 min
